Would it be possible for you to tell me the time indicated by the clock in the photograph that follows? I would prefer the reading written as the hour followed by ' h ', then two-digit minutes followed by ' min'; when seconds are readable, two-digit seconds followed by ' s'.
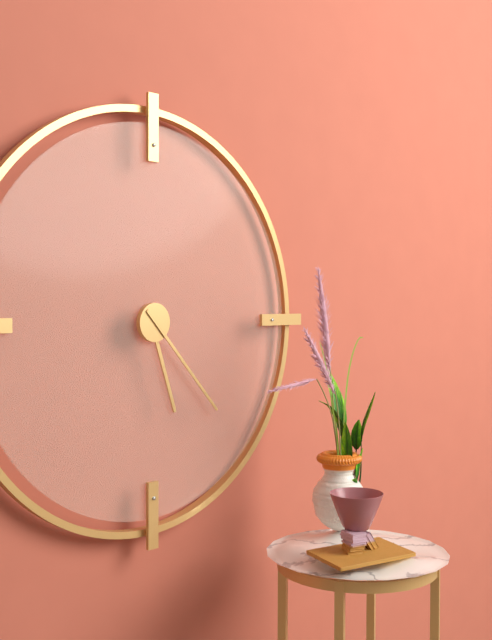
5 h 23 min
